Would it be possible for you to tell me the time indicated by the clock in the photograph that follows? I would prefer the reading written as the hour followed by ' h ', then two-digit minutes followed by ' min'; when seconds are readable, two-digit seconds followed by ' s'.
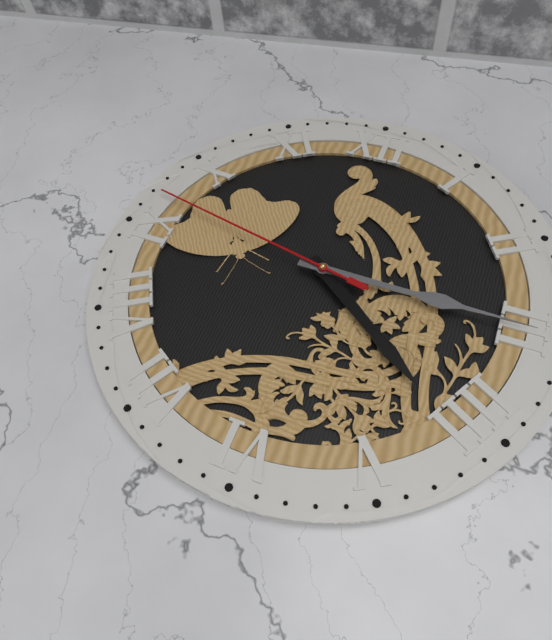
4 h 15 min 47 s
